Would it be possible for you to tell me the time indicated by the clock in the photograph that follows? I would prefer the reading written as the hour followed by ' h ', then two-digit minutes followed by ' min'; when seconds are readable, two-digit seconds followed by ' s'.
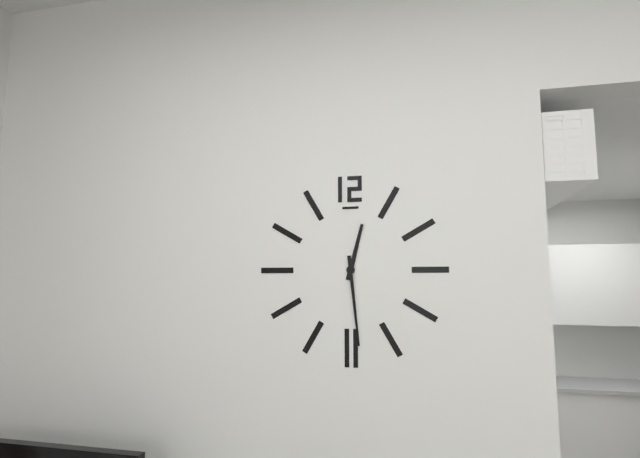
12 h 29 min
